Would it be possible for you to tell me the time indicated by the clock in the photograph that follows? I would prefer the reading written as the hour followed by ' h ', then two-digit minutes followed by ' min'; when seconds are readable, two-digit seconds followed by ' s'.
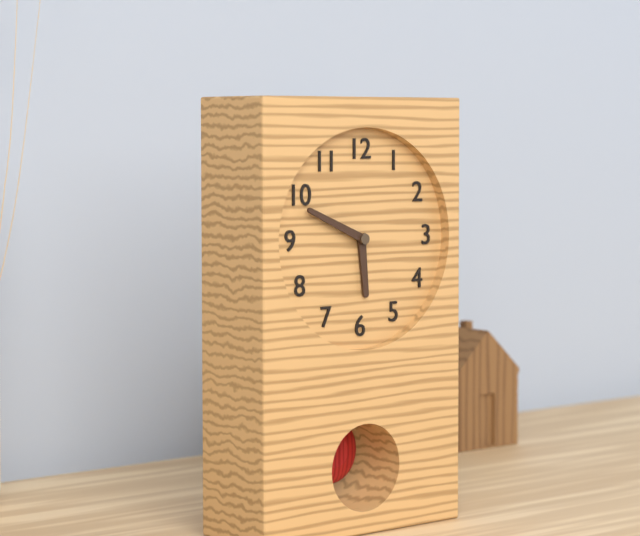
5 h 49 min
